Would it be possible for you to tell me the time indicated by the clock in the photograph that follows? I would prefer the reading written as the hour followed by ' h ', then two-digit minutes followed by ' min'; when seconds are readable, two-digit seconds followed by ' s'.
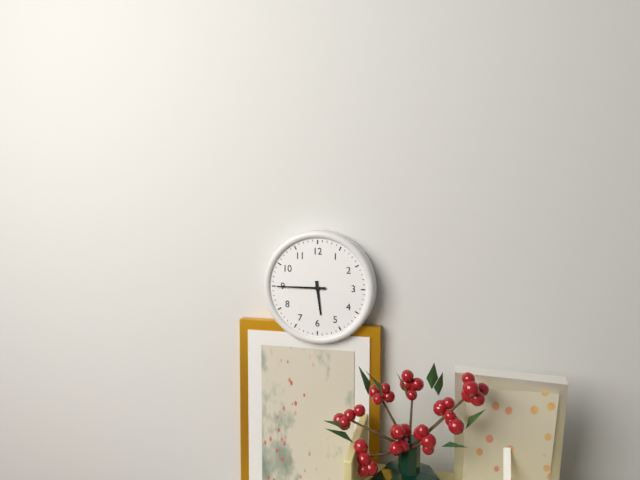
5 h 45 min
